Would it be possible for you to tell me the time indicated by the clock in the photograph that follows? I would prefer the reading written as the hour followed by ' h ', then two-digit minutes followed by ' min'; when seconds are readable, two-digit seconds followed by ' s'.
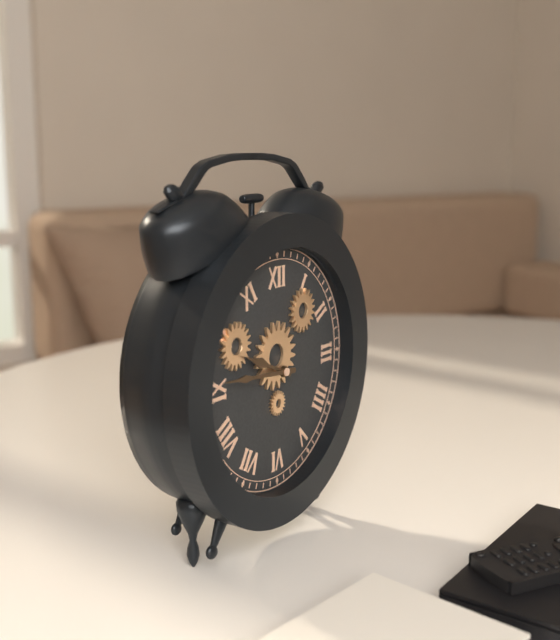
9 h 46 min
